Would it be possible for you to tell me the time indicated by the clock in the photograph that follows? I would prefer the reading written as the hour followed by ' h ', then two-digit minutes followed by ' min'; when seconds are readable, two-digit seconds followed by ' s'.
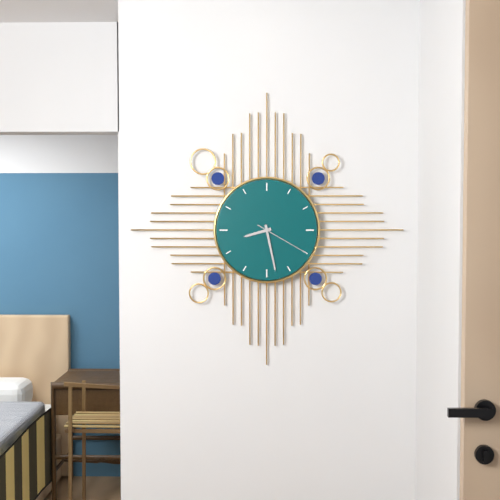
8 h 28 min 20 s
